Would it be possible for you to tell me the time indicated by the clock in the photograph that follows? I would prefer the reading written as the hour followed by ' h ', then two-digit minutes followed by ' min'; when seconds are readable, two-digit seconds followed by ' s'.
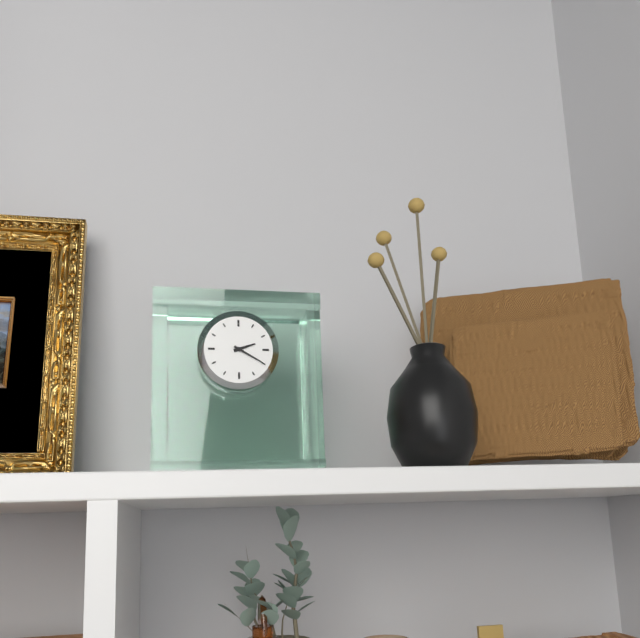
2 h 20 min
